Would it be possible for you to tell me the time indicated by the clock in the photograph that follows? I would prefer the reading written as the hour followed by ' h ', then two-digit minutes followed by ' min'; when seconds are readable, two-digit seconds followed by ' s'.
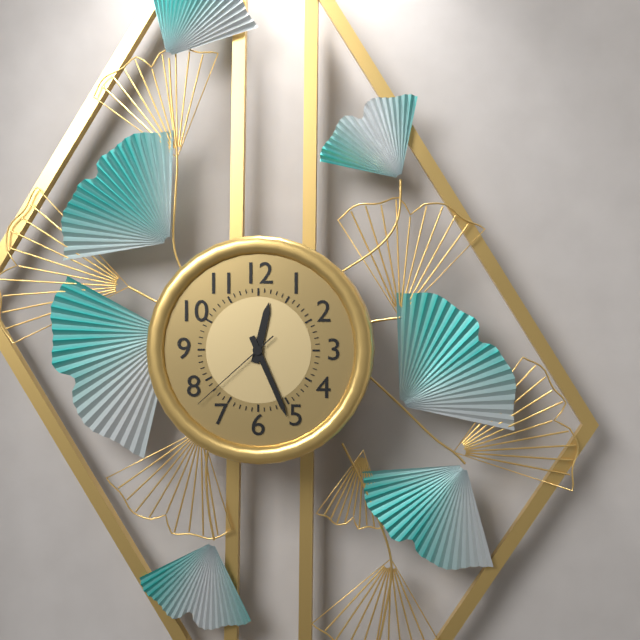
12 h 26 min 38 s
